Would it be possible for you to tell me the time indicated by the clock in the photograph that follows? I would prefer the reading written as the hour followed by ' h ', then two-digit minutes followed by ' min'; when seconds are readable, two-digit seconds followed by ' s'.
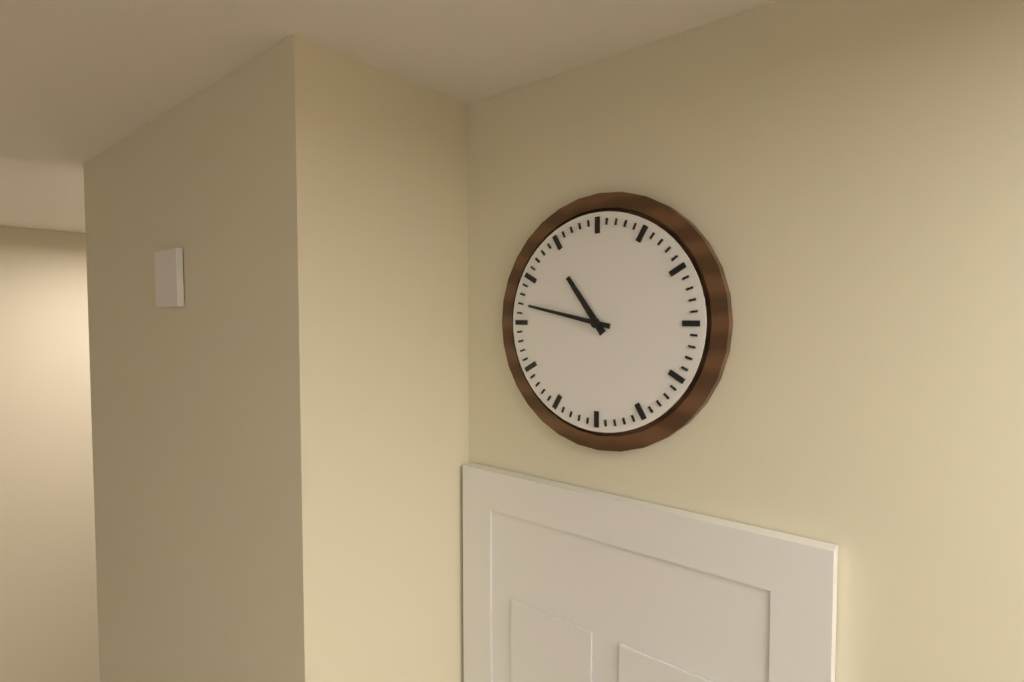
10 h 47 min
